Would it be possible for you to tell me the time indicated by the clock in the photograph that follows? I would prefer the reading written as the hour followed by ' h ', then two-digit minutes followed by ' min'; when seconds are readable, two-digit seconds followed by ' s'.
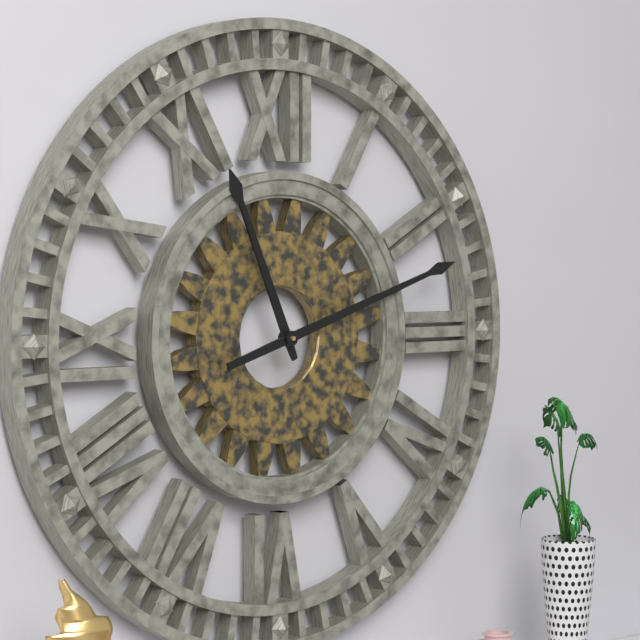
11 h 12 min
